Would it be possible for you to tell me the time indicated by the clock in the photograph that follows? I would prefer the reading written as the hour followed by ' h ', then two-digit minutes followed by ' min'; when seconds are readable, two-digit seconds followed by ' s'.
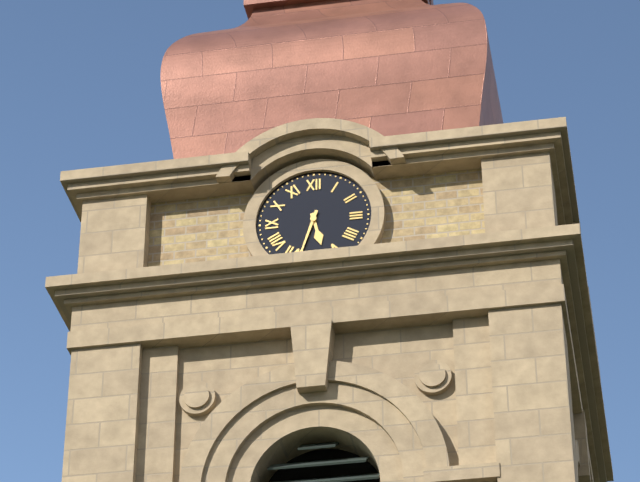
5 h 33 min
